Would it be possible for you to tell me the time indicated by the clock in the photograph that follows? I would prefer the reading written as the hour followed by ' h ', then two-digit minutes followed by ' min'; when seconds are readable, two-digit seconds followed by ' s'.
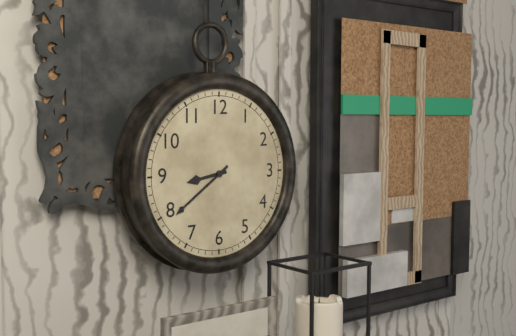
8 h 39 min
